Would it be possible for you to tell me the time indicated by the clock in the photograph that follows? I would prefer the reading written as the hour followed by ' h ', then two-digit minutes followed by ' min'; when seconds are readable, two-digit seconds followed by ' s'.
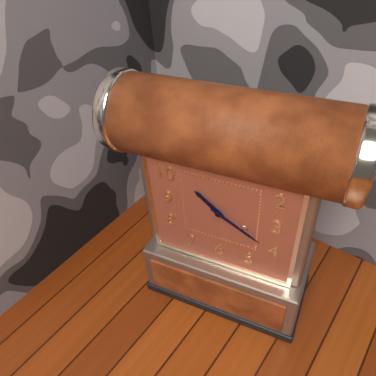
10 h 20 min
